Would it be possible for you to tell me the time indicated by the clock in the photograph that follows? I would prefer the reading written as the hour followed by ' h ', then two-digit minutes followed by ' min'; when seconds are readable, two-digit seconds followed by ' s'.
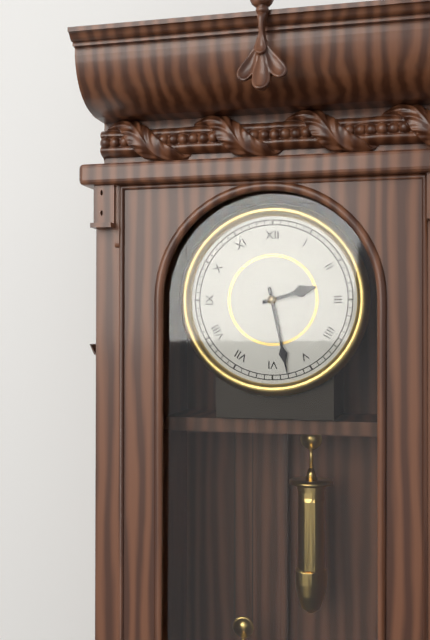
2 h 28 min
